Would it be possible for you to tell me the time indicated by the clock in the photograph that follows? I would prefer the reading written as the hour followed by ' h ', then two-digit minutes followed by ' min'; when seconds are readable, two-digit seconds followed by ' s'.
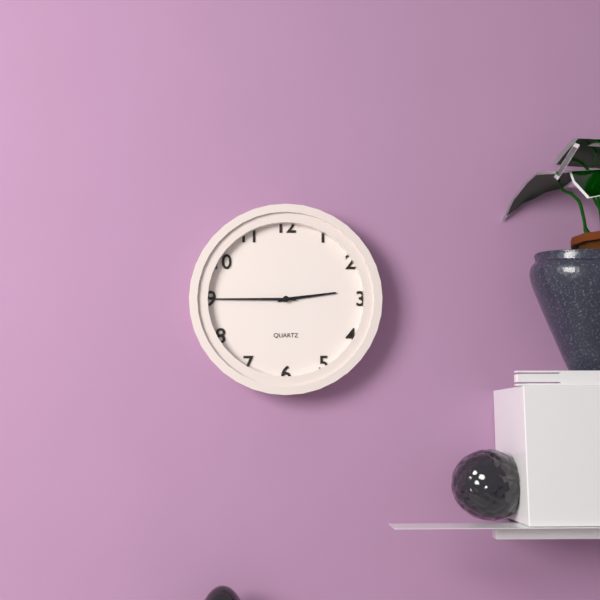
2 h 45 min
